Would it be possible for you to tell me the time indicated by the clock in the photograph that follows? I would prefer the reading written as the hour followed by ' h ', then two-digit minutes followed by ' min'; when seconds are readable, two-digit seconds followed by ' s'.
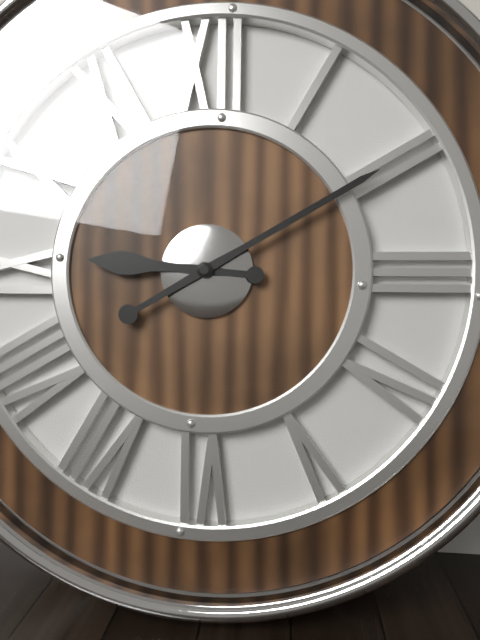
9 h 10 min
